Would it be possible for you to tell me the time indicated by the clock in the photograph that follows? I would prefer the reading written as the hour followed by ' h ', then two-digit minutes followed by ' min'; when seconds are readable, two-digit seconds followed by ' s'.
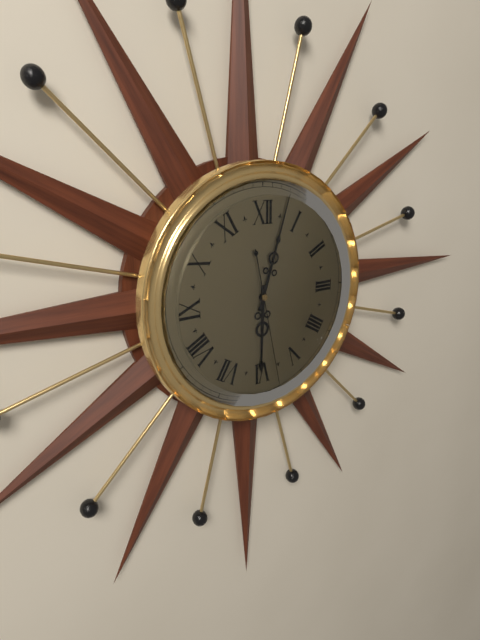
6 h 03 min 28 s
